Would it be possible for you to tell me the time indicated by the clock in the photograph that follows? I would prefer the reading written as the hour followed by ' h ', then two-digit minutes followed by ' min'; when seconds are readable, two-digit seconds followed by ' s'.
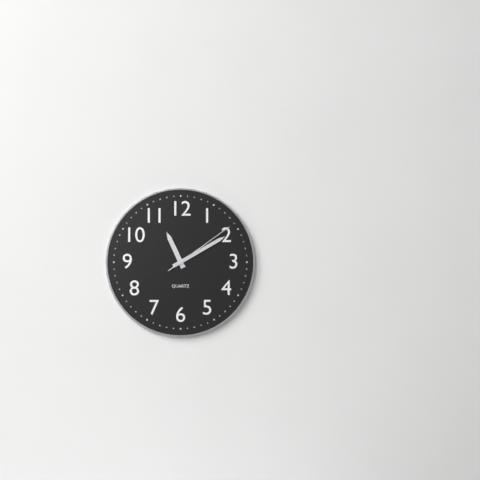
11 h 10 min 09 s
